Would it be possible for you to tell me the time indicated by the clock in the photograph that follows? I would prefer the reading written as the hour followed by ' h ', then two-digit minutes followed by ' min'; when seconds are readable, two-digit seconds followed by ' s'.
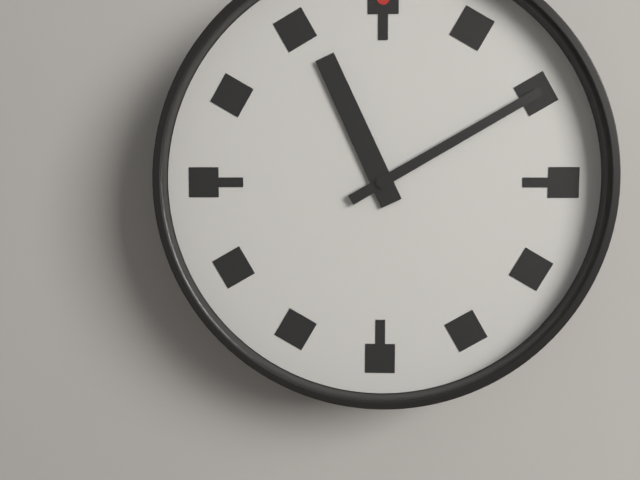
11 h 10 min
